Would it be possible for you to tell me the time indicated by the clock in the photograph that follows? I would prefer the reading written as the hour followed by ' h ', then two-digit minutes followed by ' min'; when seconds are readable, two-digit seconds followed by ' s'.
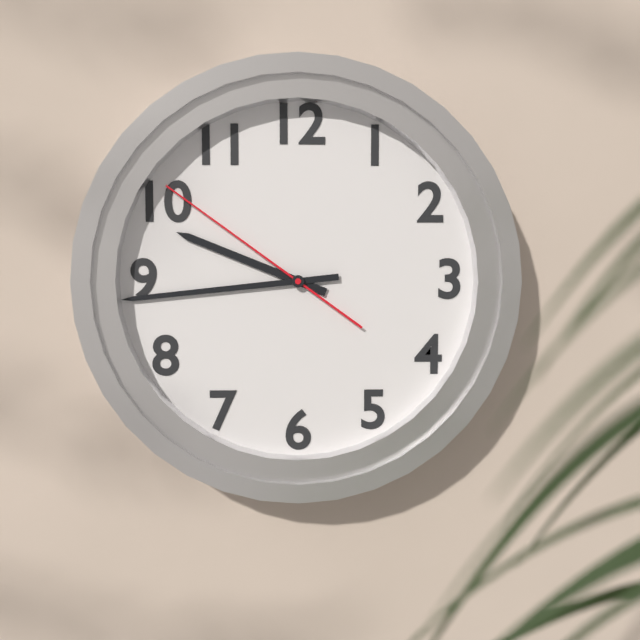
9 h 44 min 51 s
